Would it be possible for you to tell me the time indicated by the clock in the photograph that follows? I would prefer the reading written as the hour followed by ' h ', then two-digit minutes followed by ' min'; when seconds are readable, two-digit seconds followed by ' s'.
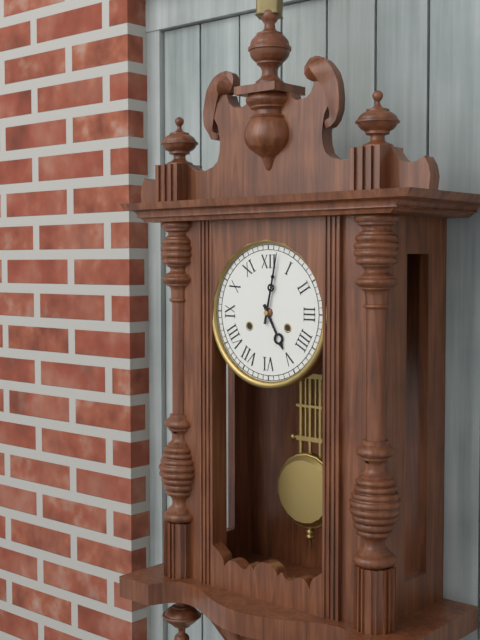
5 h 02 min
